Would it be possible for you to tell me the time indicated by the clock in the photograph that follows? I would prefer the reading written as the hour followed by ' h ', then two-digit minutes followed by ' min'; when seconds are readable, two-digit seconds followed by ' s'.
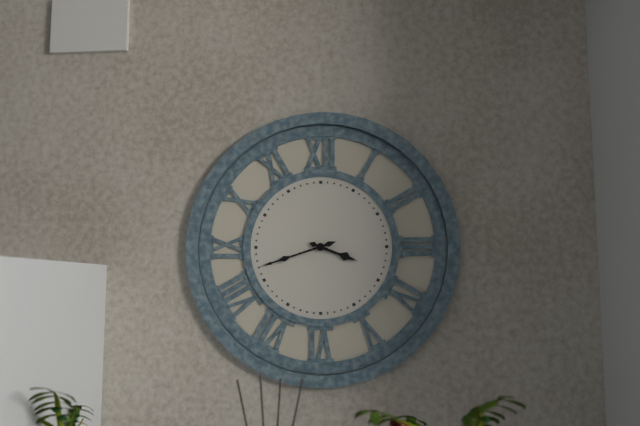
3 h 42 min
